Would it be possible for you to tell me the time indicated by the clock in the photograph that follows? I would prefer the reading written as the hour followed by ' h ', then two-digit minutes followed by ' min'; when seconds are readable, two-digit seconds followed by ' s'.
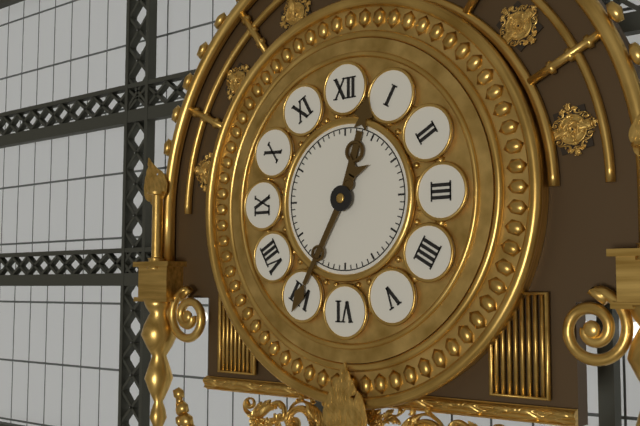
12 h 35 min
